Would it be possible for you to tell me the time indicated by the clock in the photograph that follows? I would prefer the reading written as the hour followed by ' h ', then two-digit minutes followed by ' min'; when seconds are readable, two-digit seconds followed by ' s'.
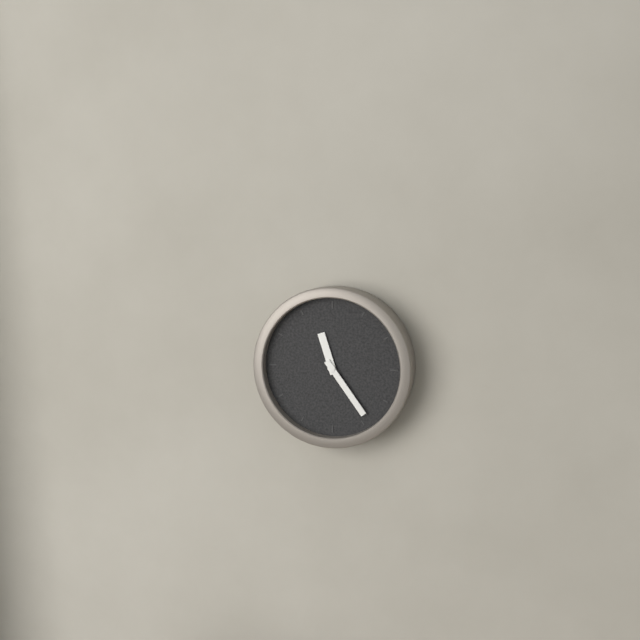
11 h 24 min
